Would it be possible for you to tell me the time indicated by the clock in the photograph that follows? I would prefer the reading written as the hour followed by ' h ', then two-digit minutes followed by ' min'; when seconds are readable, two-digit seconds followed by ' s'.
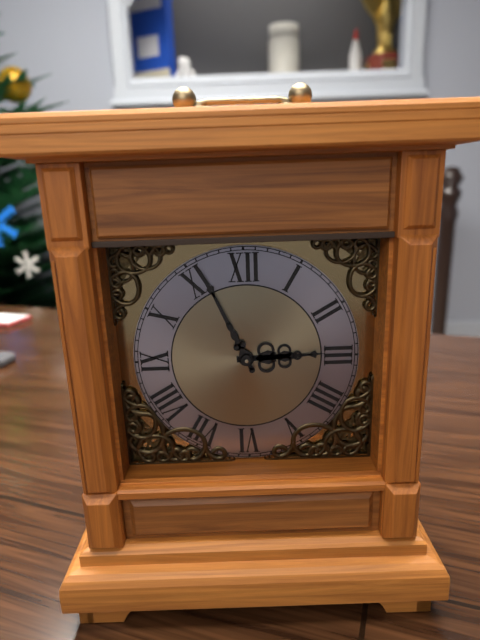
2 h 56 min
